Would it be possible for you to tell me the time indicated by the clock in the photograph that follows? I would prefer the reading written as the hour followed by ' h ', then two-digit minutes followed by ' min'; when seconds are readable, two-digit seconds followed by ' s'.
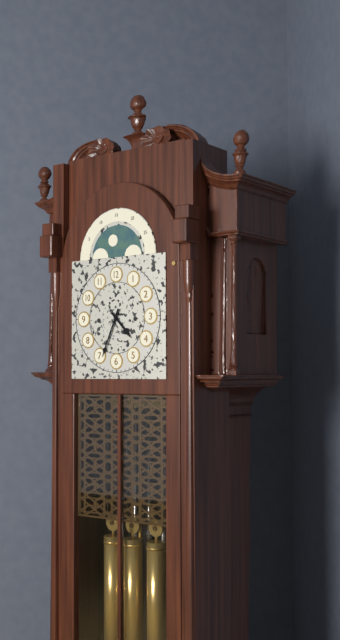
4 h 34 min
